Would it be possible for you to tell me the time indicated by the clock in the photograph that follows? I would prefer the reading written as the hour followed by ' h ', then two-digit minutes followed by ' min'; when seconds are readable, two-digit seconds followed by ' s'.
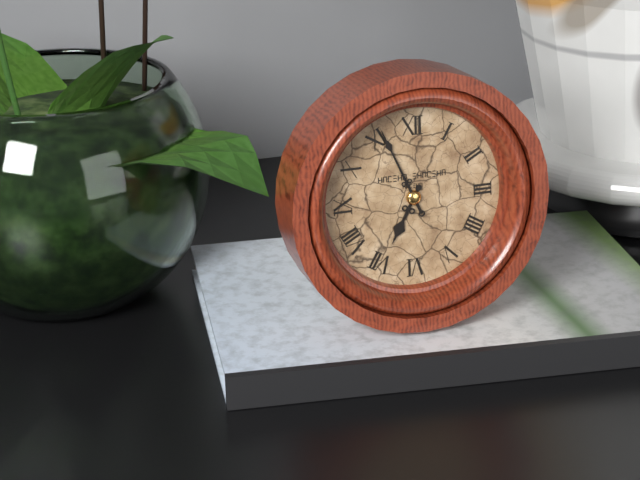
6 h 56 min
